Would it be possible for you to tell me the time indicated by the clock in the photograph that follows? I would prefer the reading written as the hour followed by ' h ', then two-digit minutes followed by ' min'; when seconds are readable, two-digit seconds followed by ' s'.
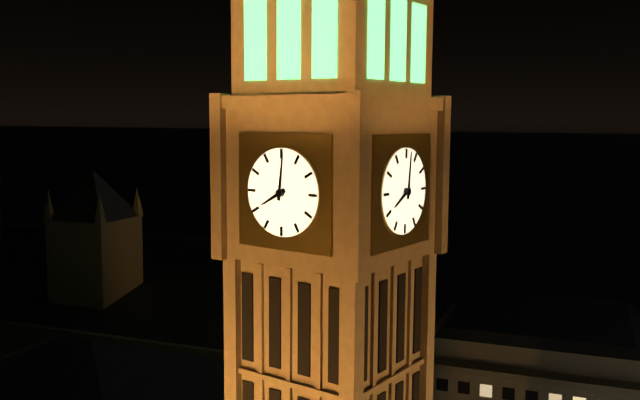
8 h 01 min
